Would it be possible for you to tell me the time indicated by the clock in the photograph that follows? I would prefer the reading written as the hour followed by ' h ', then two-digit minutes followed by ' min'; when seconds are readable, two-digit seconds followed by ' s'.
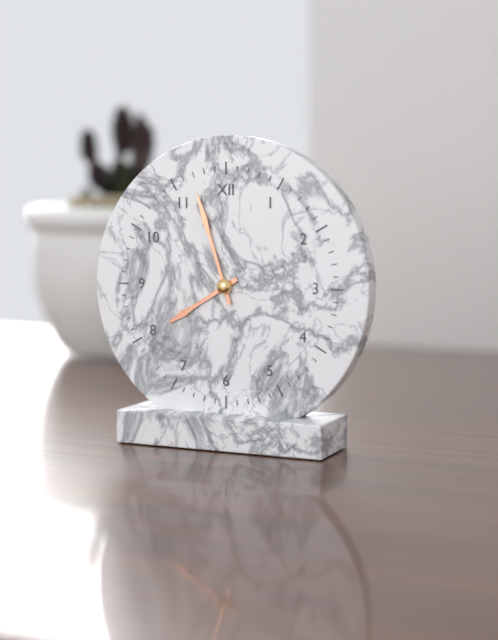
7 h 57 min
